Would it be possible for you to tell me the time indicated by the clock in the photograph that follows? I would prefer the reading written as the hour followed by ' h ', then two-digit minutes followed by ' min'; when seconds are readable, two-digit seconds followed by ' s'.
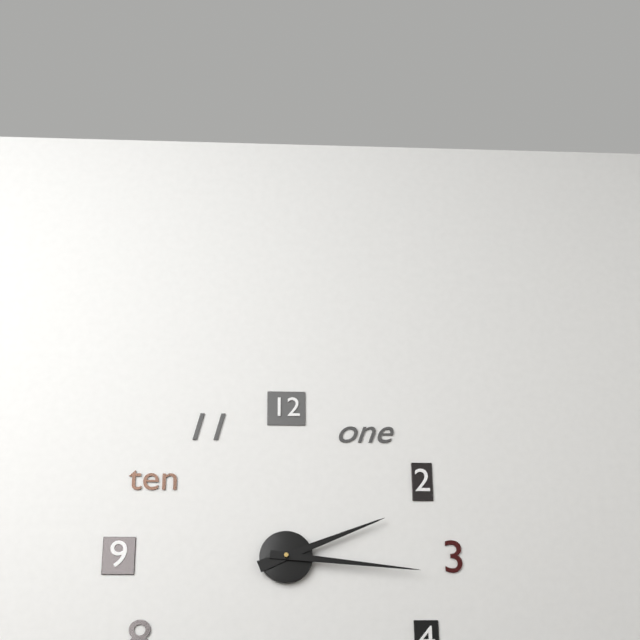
2 h 16 min
